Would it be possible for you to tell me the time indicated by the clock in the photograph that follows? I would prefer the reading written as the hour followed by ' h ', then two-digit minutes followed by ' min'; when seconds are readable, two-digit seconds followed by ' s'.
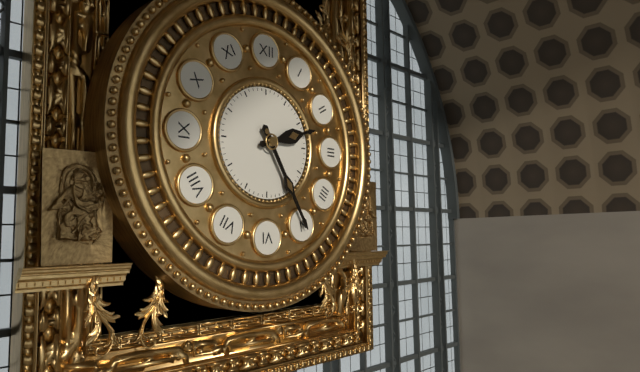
2 h 25 min
